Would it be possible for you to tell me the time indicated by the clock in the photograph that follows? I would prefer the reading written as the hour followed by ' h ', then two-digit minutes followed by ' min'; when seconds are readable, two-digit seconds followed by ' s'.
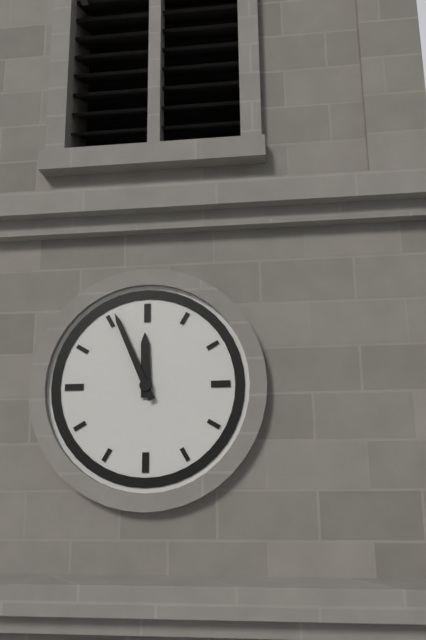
11 h 56 min
